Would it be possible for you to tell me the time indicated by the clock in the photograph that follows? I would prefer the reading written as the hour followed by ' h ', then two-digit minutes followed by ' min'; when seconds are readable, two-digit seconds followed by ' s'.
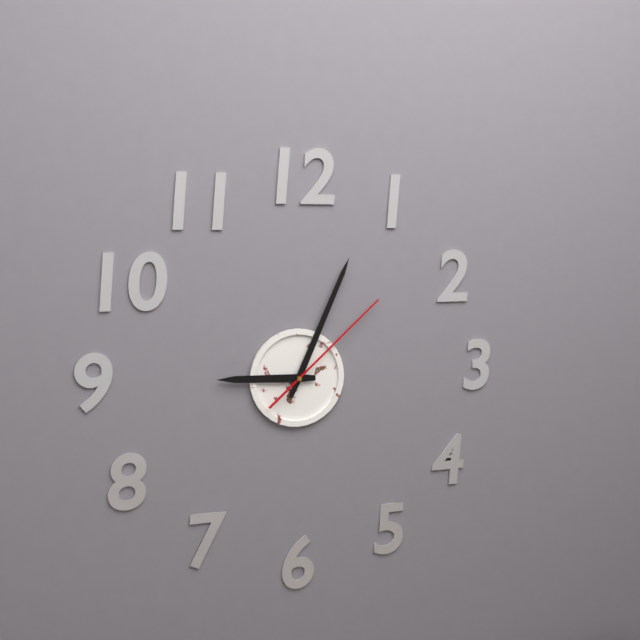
9 h 04 min 08 s
